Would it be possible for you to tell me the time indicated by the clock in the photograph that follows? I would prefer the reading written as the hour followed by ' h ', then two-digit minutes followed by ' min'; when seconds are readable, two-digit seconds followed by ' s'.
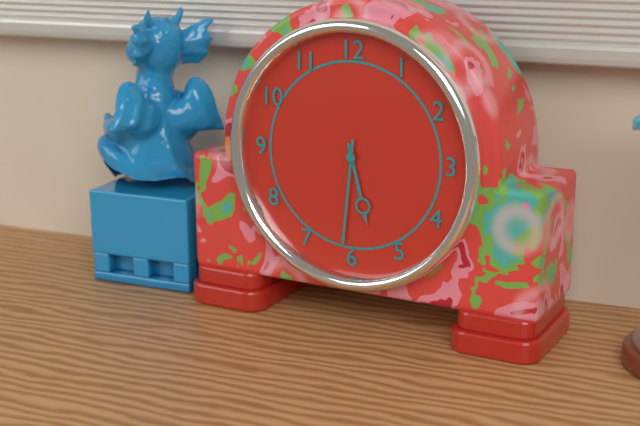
5 h 31 min
